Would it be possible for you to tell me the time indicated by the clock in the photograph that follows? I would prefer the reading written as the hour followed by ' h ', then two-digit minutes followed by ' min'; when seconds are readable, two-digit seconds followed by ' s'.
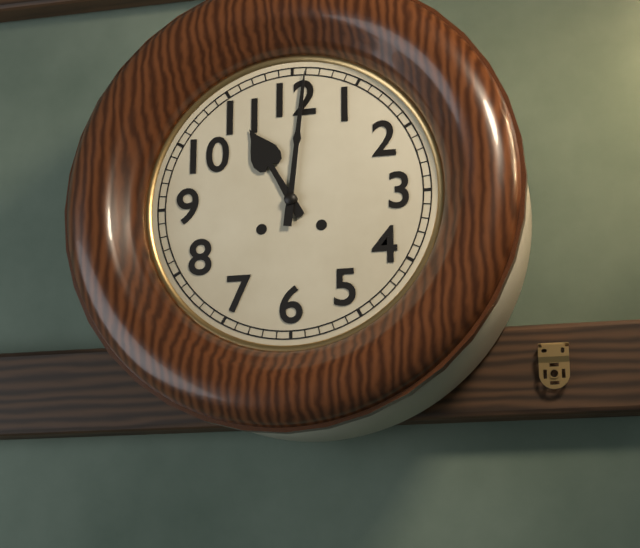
11 h 01 min
